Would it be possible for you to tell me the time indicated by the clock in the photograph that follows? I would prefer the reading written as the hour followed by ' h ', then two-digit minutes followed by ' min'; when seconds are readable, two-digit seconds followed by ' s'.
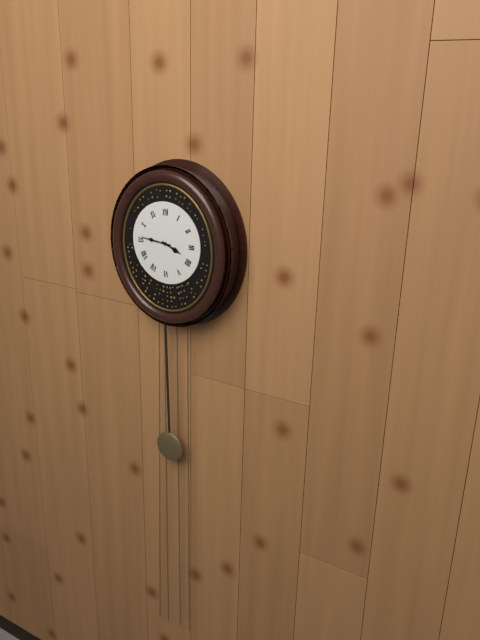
3 h 46 min
